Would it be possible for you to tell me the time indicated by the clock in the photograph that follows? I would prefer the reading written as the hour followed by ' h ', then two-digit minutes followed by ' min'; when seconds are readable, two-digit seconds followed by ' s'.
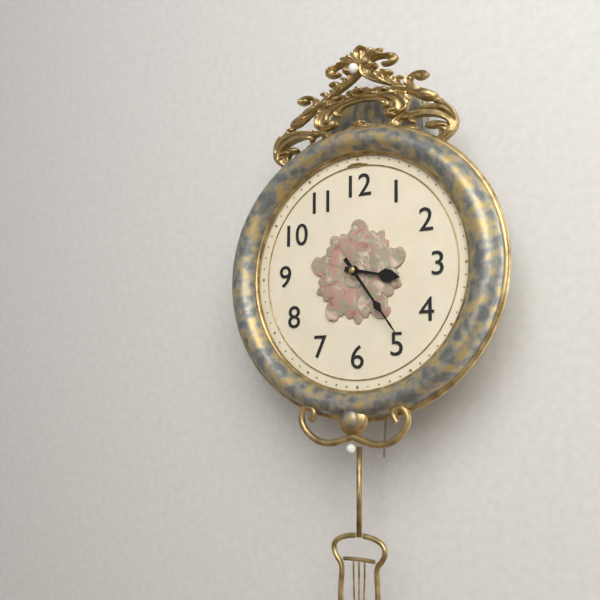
3 h 24 min
